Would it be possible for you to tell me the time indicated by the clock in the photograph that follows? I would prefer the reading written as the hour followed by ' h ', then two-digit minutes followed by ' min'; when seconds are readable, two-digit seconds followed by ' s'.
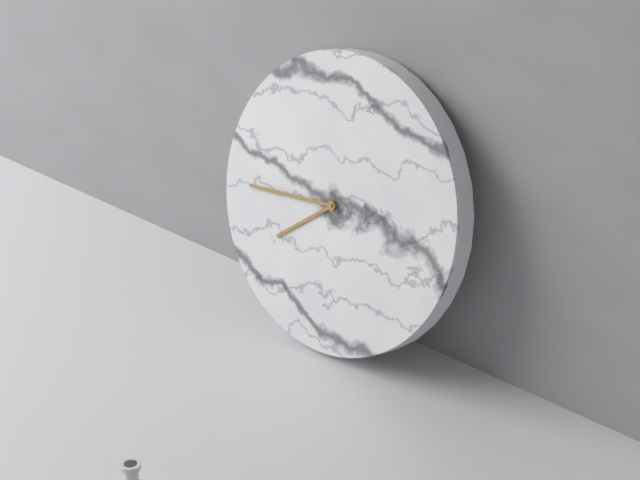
7 h 44 min
